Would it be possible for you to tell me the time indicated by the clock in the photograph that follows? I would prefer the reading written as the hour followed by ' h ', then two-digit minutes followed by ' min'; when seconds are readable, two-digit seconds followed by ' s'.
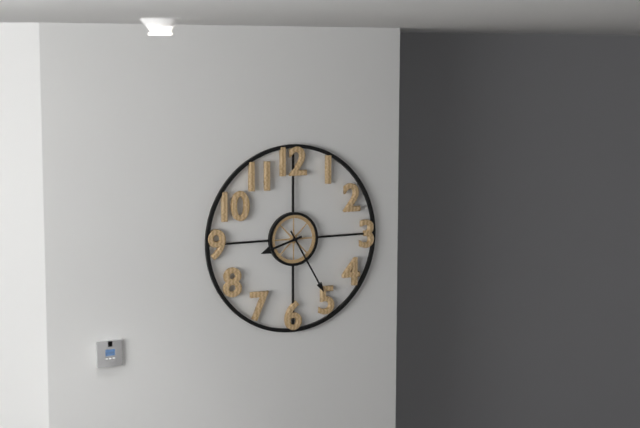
8 h 25 min
